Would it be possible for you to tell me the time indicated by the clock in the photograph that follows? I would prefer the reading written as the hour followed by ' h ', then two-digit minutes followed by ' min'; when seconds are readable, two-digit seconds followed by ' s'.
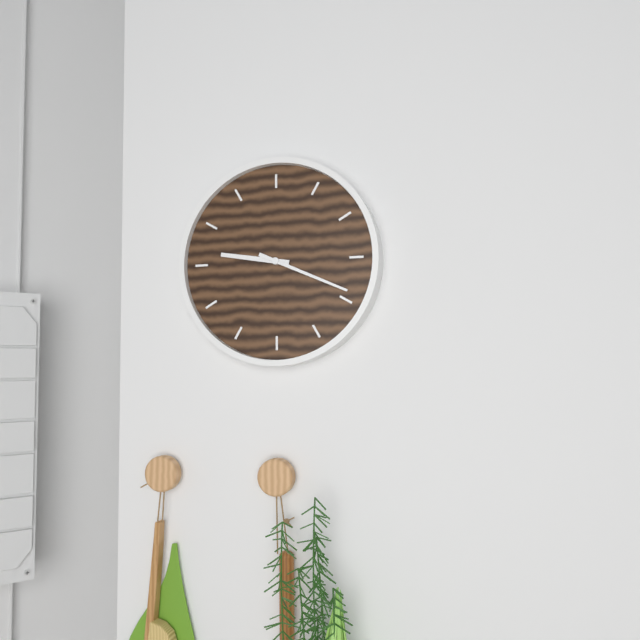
9 h 19 min
